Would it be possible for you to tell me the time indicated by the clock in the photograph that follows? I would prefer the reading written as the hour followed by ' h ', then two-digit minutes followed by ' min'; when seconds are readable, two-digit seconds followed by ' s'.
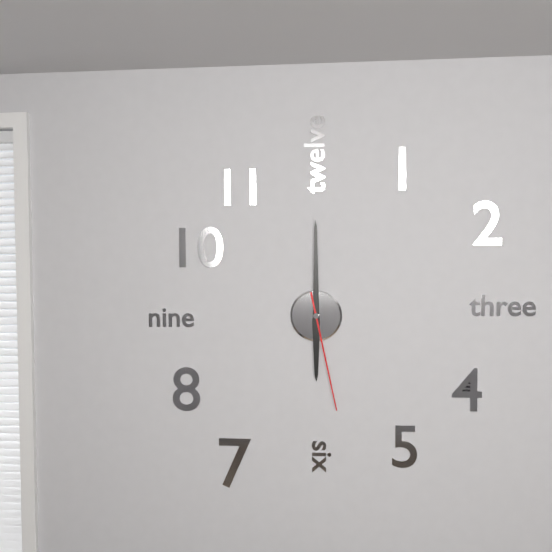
6 h 00 min 28 s
